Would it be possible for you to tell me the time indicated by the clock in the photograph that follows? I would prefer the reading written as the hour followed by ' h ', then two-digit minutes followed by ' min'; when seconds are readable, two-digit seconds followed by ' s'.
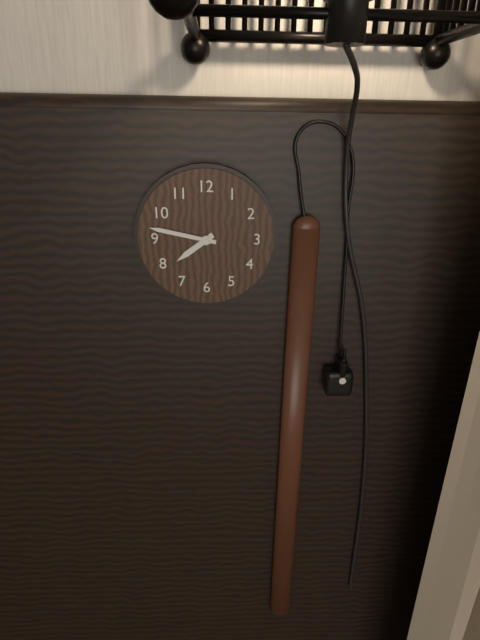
7 h 47 min
